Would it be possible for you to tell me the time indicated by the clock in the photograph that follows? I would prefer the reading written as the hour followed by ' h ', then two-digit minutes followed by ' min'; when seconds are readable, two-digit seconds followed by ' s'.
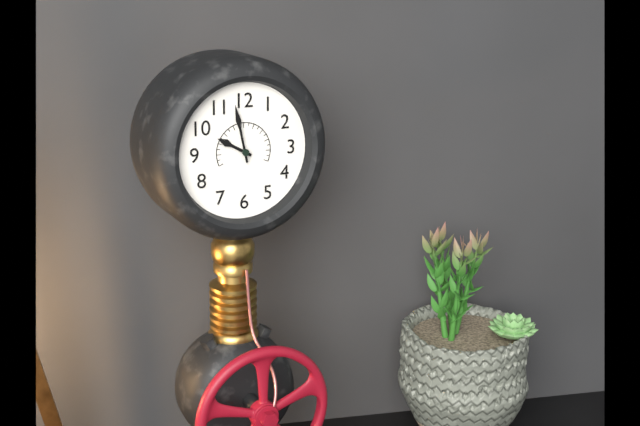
9 h 58 min
